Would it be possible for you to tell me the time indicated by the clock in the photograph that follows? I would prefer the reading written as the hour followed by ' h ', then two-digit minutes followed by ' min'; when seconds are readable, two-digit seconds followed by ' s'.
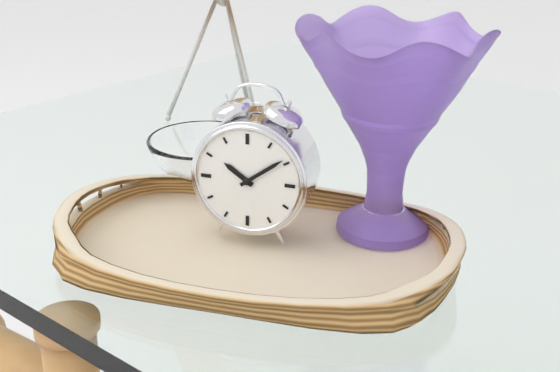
10 h 09 min
